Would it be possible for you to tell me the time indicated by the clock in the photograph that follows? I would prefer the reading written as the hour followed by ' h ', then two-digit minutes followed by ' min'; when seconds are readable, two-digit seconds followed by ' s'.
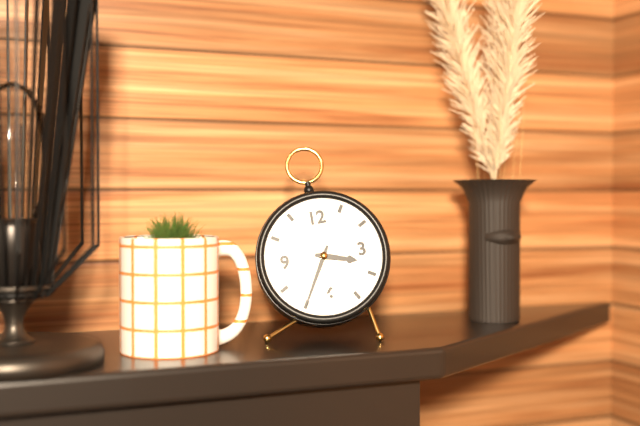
3 h 35 min
